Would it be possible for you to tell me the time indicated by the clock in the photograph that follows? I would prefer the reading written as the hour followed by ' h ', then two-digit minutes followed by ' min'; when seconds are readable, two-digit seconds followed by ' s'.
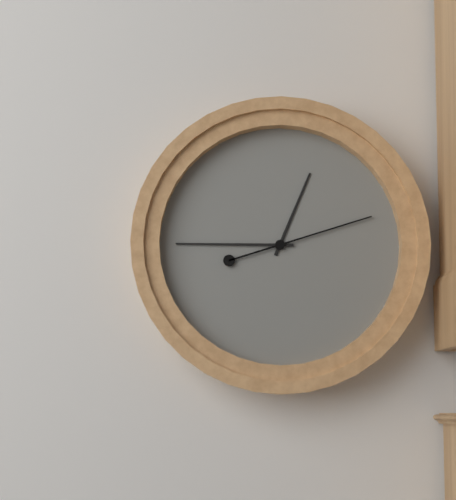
12 h 45 min 12 s
